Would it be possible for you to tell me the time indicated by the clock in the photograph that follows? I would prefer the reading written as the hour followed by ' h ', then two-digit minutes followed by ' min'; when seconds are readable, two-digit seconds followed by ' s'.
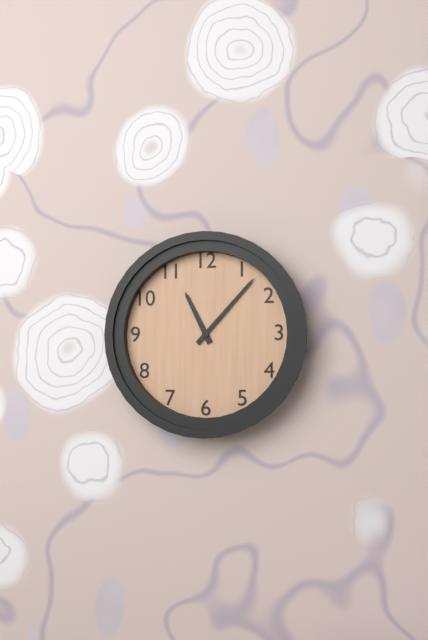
11 h 07 min
